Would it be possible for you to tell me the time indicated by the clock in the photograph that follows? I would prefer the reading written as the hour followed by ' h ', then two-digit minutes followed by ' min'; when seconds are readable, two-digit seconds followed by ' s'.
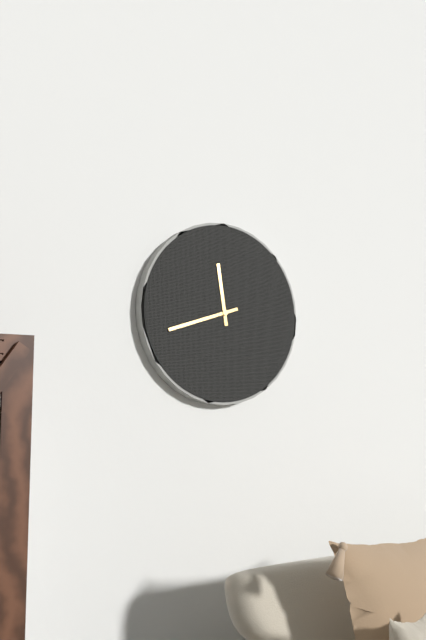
11 h 42 min
